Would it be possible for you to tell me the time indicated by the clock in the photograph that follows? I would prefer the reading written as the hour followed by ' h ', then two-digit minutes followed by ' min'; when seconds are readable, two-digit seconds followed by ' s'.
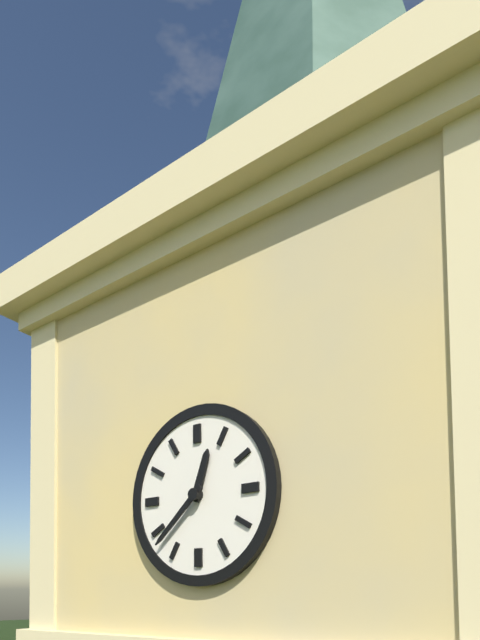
12 h 38 min
